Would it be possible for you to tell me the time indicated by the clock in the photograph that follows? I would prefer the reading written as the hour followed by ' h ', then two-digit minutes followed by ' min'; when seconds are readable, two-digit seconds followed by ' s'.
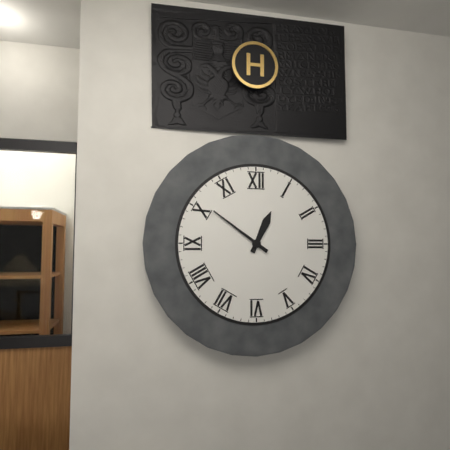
12 h 51 min
